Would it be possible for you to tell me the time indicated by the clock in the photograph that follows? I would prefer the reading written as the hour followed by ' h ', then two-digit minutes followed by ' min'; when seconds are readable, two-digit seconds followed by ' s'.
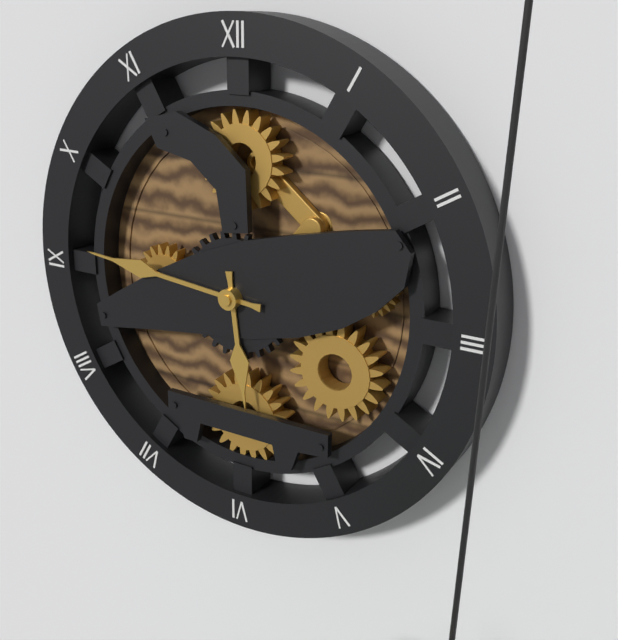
5 h 46 min
